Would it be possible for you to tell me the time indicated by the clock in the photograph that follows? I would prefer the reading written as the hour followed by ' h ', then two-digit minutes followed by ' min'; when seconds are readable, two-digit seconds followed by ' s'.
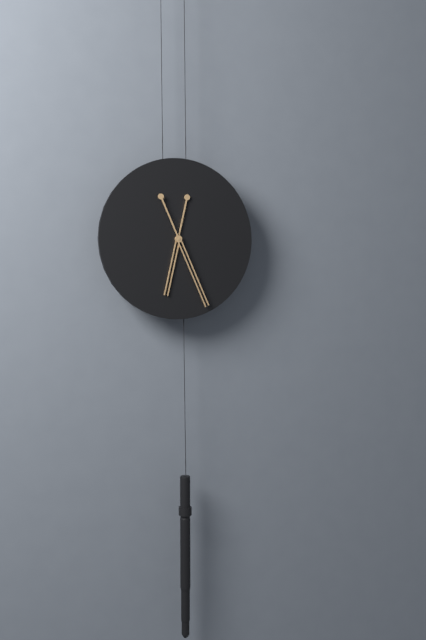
6 h 26 min
